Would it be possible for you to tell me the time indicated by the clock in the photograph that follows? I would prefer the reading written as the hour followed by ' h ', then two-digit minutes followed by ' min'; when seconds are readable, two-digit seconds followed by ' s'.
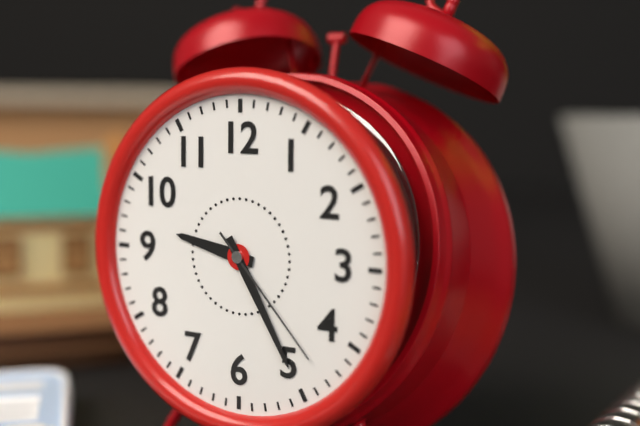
9 h 25 min 23 s
